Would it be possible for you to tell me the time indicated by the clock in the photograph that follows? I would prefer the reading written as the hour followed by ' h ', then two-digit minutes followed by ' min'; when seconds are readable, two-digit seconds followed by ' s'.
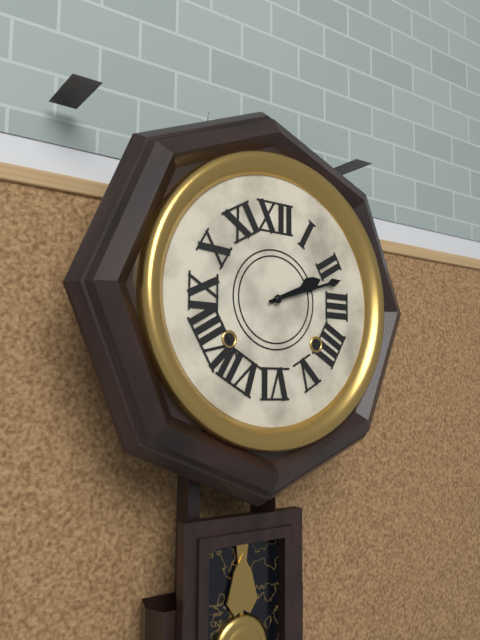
2 h 12 min
